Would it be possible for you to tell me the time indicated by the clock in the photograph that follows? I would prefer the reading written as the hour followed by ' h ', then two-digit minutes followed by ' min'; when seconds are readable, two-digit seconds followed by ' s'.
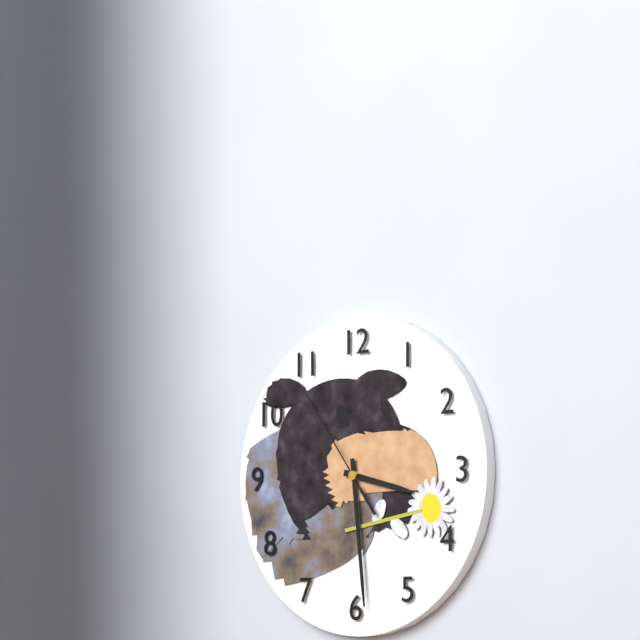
3 h 29 min 54 s
